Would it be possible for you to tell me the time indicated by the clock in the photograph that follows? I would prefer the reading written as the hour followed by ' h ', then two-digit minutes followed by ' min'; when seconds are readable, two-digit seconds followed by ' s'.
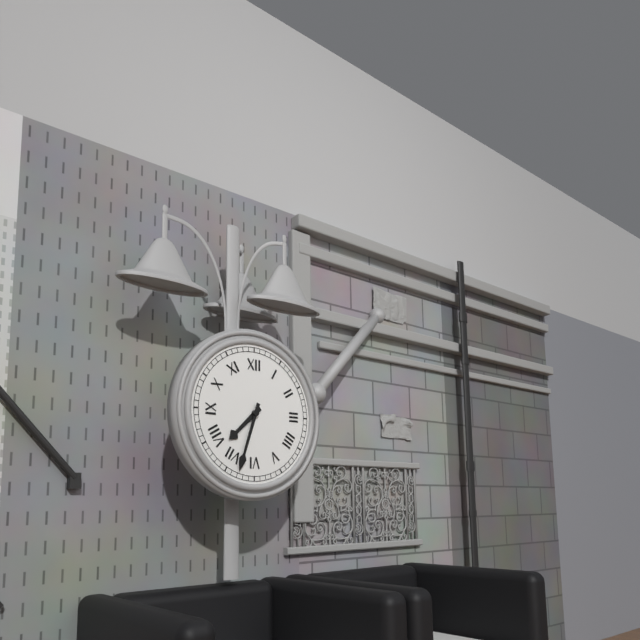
7 h 33 min
